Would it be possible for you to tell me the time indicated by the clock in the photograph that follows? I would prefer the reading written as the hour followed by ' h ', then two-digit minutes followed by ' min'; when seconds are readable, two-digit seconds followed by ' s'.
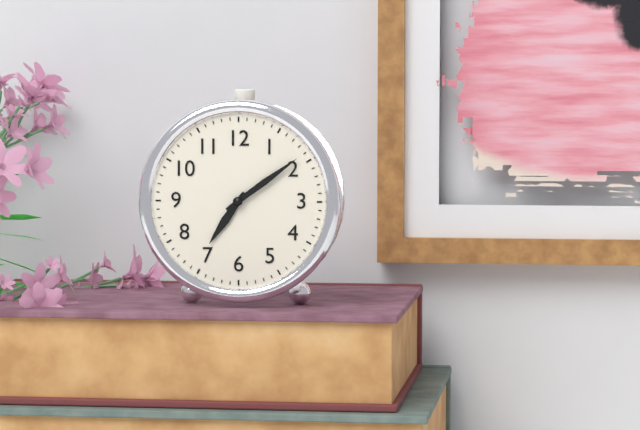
7 h 09 min
